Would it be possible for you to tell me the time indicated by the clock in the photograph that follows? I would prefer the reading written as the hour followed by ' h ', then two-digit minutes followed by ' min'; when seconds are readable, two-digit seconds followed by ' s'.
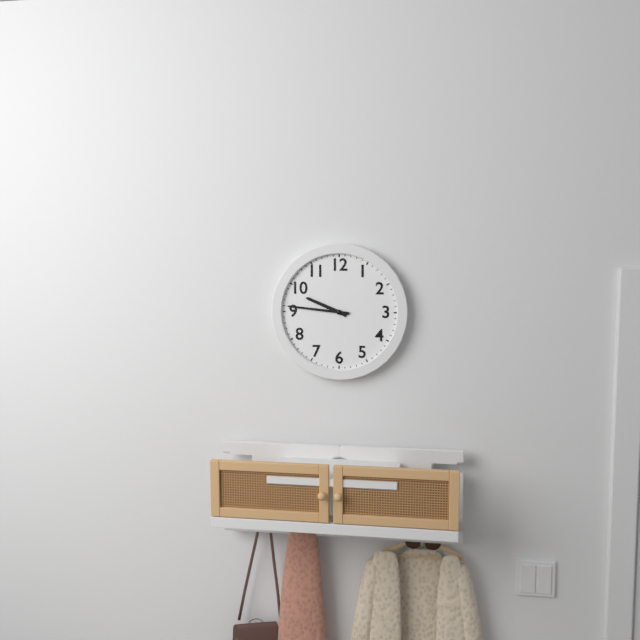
9 h 46 min
